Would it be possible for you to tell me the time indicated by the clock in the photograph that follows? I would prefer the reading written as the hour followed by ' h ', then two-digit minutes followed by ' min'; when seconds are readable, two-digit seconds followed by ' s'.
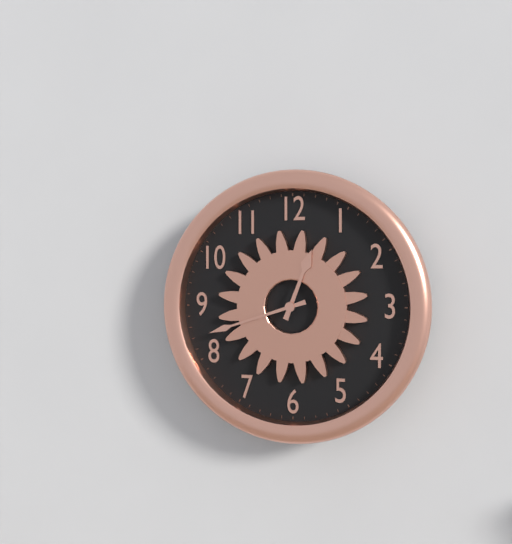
12 h 42 min
